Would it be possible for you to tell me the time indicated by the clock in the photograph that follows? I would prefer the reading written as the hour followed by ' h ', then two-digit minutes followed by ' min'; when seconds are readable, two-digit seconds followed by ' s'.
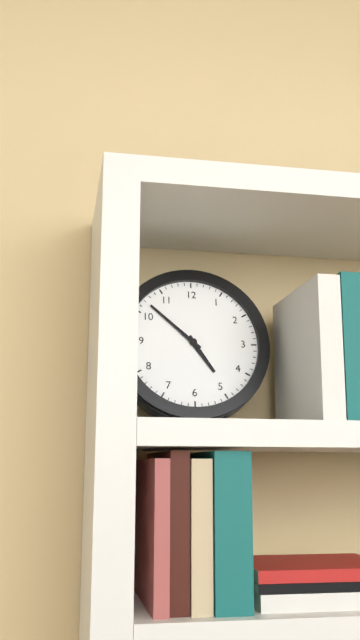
4 h 52 min
